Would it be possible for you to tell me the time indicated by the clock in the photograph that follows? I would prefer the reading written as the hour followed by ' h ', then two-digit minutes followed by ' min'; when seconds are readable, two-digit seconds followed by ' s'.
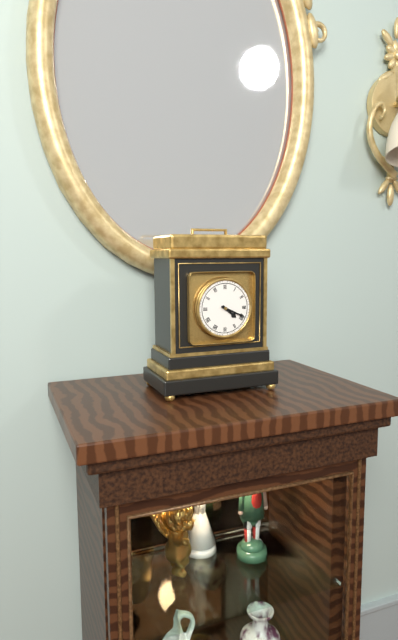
4 h 19 min
